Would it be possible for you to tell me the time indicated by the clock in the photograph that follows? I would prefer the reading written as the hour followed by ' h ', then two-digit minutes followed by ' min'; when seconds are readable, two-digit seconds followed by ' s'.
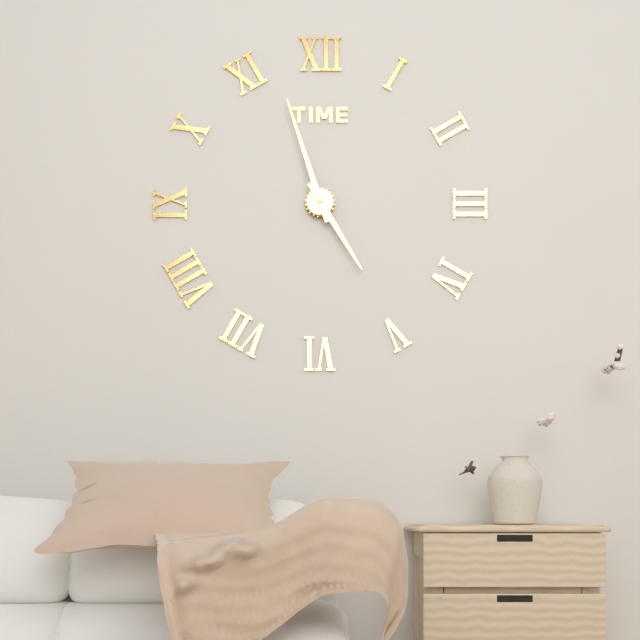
4 h 57 min
